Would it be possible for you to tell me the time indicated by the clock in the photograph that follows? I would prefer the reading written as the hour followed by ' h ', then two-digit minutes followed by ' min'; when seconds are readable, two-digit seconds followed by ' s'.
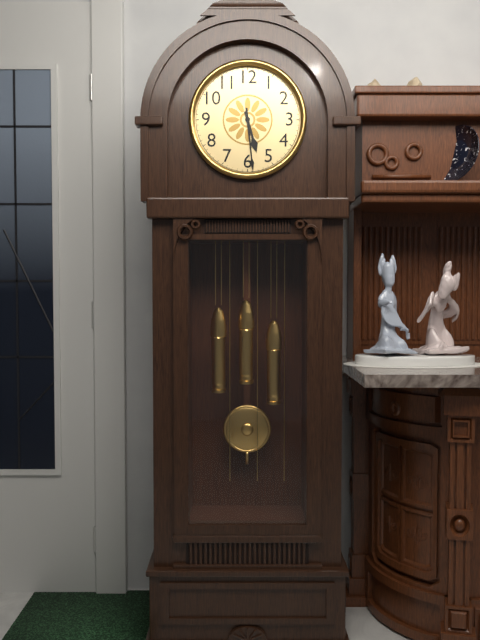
5 h 29 min
